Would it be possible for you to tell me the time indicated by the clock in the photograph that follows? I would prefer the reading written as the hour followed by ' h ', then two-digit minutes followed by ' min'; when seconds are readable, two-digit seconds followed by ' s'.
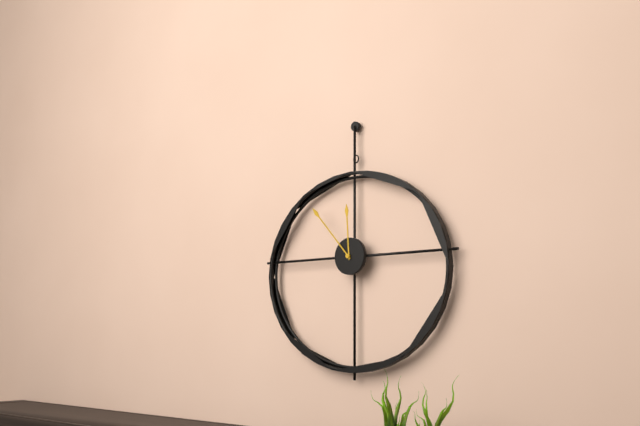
11 h 53 min
